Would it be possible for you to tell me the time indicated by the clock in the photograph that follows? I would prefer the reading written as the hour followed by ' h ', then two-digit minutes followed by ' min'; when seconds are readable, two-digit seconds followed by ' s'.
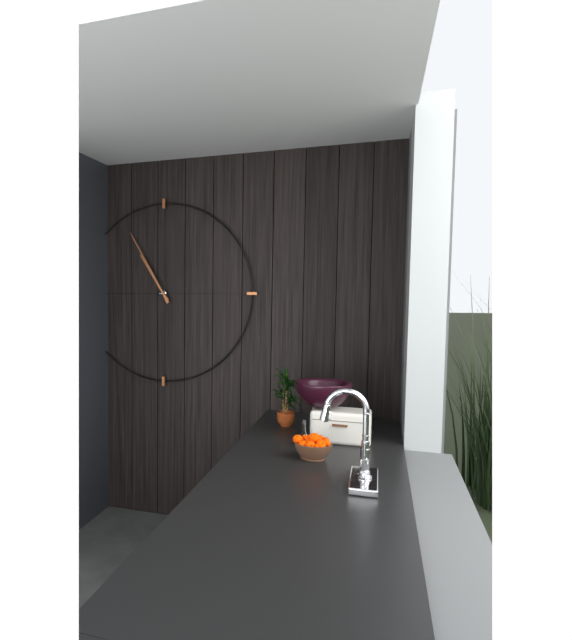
10 h 55 min
